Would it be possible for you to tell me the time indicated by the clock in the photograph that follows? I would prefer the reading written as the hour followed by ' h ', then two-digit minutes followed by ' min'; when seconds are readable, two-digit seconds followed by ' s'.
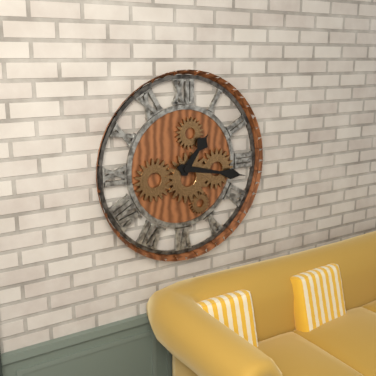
1 h 17 min
